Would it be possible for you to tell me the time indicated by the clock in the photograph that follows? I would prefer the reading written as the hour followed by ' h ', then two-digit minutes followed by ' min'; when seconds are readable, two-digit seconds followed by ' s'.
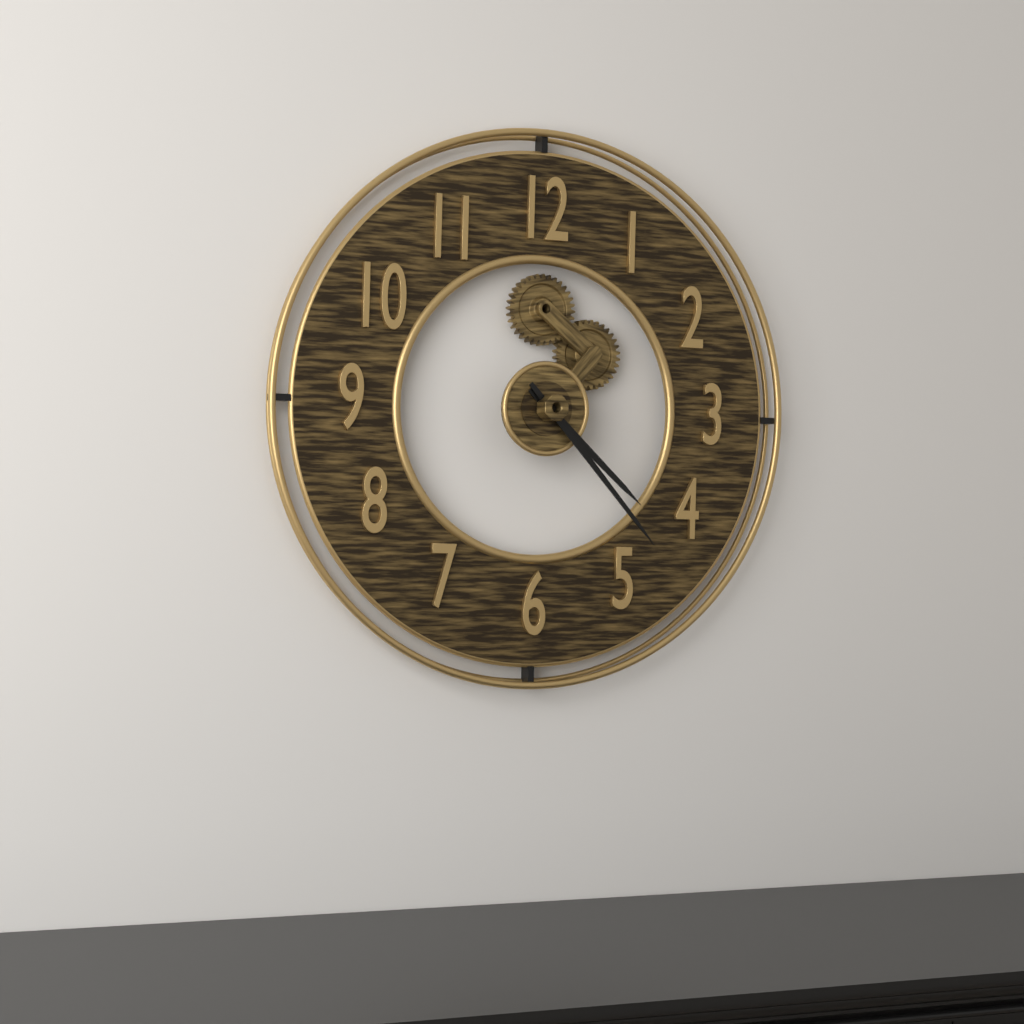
4 h 23 min
